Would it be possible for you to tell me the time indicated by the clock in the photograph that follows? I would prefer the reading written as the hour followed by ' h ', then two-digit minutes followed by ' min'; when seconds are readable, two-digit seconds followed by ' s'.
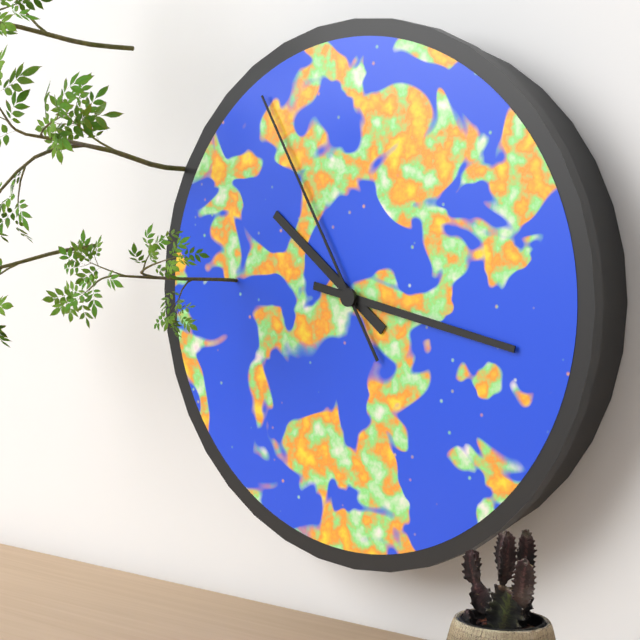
10 h 17 min 55 s
